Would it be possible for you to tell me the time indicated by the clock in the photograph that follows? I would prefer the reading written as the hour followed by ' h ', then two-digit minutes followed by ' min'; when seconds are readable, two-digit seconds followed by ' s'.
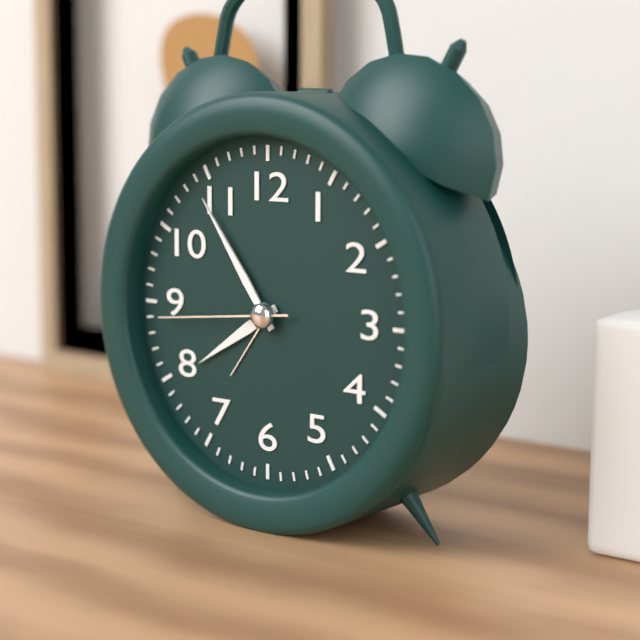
7 h 54 min 44 s
